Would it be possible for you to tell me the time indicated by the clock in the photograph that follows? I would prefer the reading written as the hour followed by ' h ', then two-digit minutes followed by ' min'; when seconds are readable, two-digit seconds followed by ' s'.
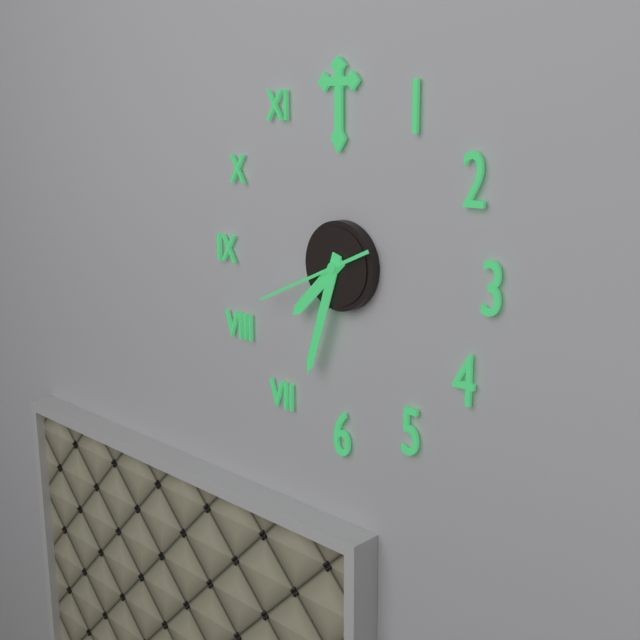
7 h 33 min 41 s
